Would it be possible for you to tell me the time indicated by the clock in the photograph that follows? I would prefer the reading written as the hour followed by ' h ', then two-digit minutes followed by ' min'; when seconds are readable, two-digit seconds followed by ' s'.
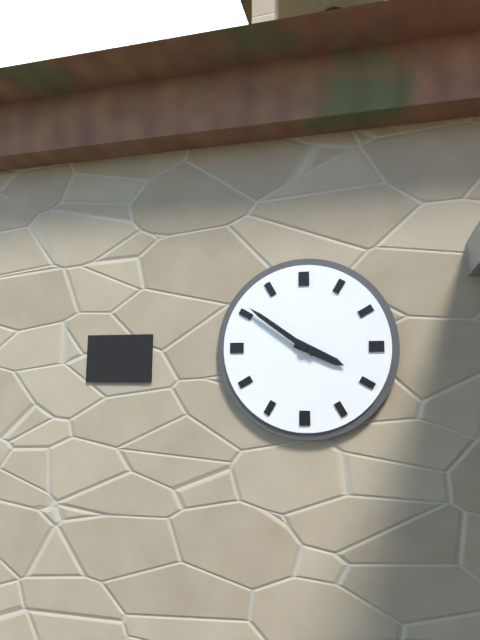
3 h 51 min
